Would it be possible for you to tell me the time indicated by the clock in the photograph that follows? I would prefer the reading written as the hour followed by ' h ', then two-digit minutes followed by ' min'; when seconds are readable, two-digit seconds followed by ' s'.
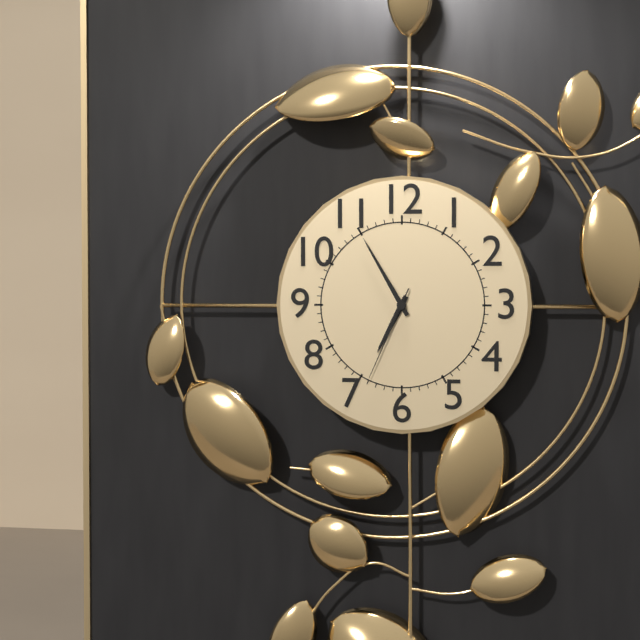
6 h 55 min 34 s
